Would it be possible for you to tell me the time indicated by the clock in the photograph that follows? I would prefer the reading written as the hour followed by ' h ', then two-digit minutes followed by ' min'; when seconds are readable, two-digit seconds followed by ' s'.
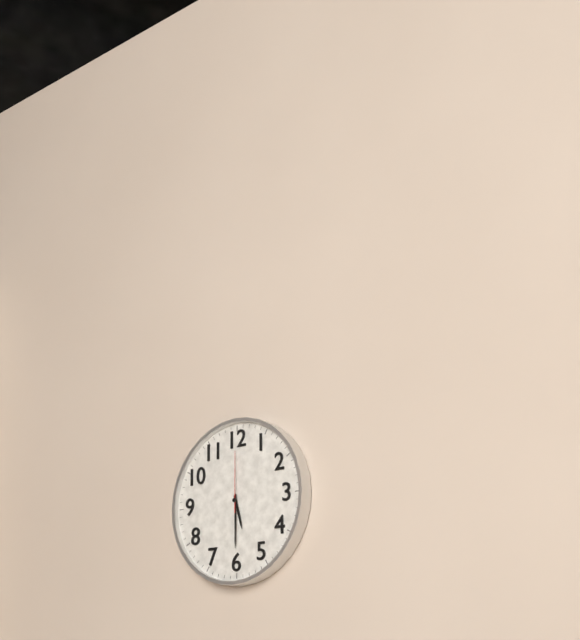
5 h 30 min 00 s
